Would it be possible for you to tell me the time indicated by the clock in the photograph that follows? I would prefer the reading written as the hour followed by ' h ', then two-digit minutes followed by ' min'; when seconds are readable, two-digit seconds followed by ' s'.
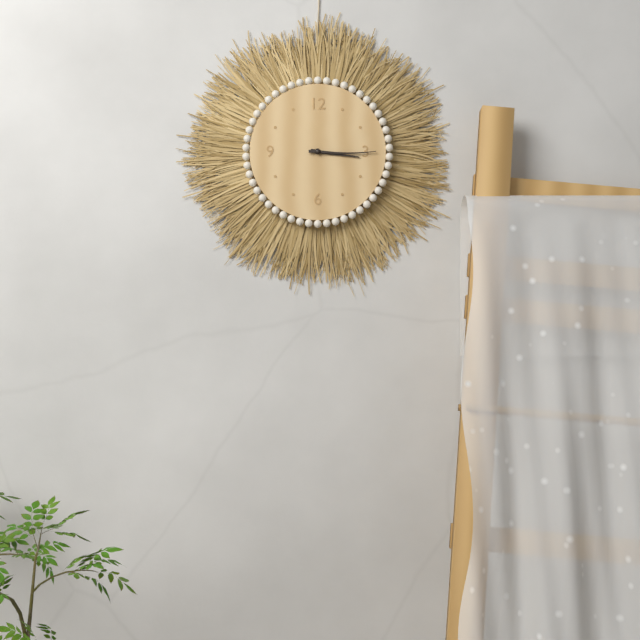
3 h 15 min
